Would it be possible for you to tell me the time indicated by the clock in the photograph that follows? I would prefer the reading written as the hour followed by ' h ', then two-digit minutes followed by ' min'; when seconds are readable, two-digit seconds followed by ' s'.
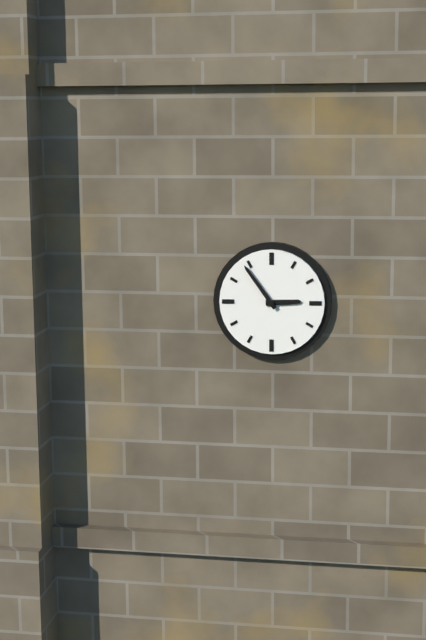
2 h 54 min
